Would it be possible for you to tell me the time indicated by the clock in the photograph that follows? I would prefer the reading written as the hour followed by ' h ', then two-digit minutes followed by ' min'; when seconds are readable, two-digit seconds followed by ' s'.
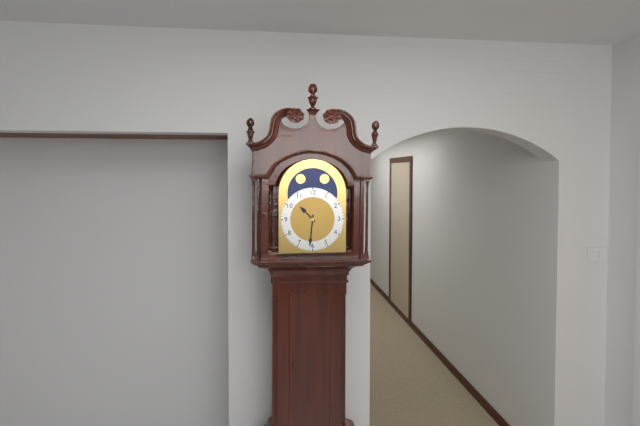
10 h 31 min
